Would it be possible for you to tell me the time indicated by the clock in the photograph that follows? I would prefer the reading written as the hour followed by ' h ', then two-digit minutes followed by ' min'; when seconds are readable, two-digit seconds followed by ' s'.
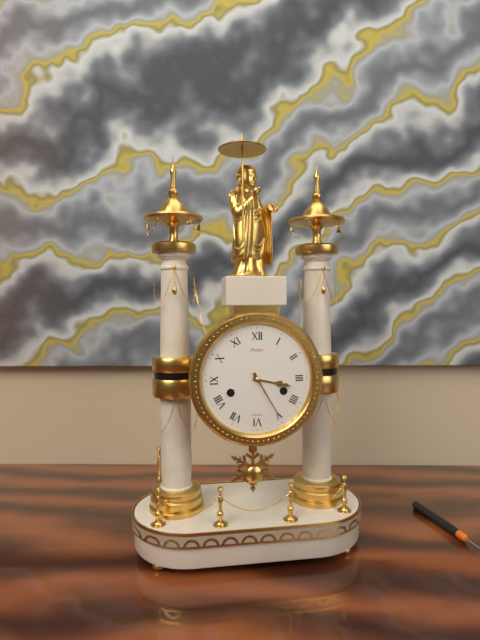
3 h 25 min
